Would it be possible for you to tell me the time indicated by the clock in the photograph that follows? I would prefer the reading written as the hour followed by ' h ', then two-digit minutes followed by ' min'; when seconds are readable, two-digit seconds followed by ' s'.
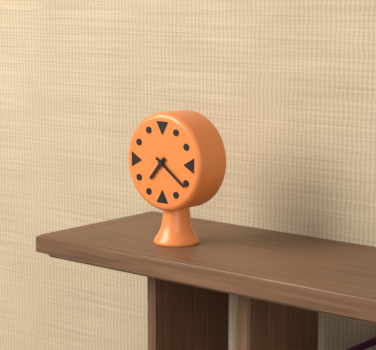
7 h 21 min
